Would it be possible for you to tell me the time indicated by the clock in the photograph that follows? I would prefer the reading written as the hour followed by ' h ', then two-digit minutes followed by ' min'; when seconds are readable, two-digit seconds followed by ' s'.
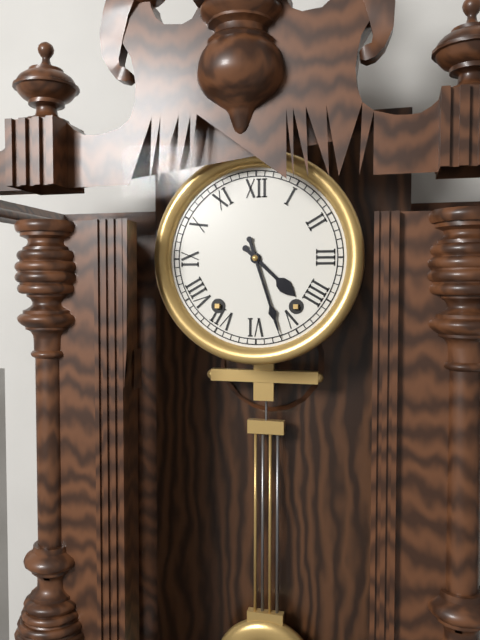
4 h 27 min
